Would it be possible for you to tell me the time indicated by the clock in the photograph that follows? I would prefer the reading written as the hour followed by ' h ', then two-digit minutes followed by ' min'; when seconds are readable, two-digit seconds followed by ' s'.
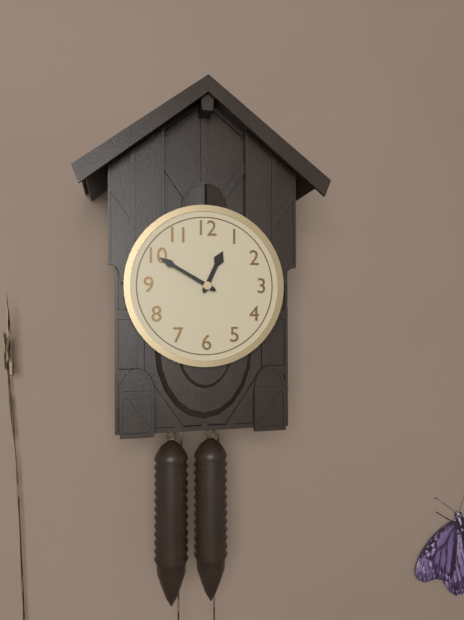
12 h 50 min
